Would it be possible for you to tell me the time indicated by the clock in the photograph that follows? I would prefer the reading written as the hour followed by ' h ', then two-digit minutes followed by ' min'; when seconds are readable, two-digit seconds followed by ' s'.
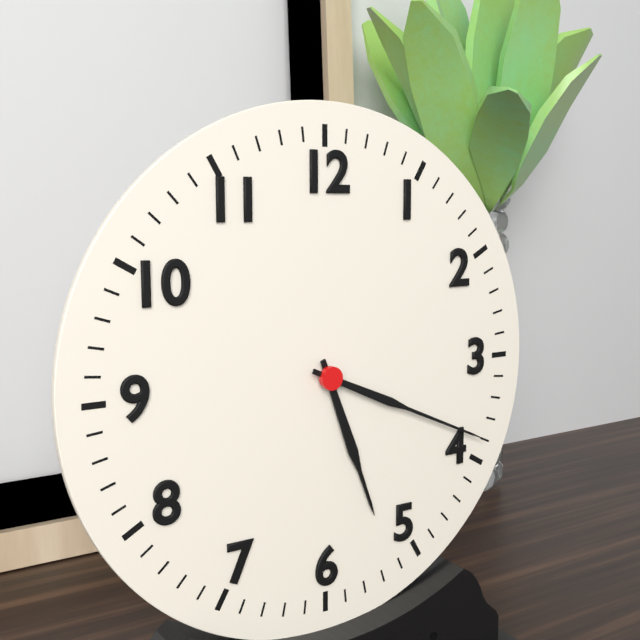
5 h 19 min
